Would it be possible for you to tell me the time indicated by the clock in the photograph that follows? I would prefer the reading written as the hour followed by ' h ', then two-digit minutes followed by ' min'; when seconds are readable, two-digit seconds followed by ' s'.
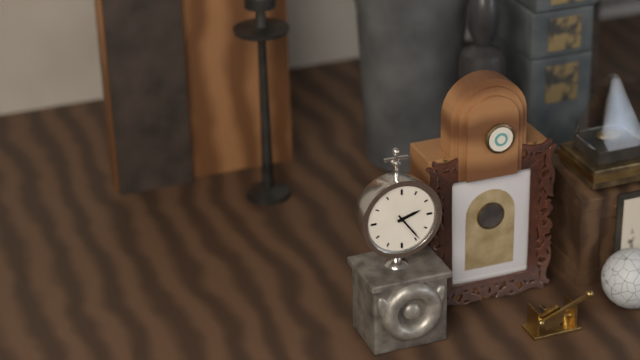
2 h 24 min
